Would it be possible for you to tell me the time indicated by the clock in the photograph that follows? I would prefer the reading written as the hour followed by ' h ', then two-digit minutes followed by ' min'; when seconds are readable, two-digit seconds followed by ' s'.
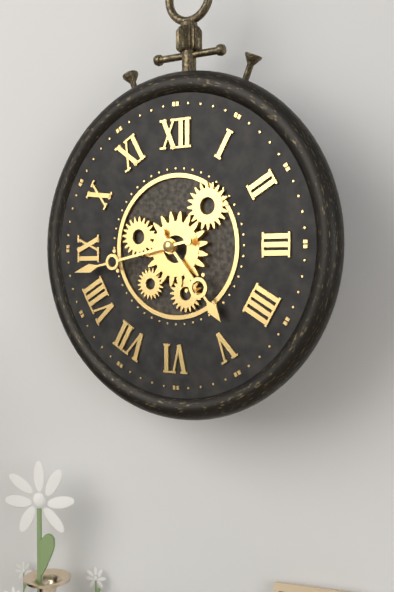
4 h 43 min
